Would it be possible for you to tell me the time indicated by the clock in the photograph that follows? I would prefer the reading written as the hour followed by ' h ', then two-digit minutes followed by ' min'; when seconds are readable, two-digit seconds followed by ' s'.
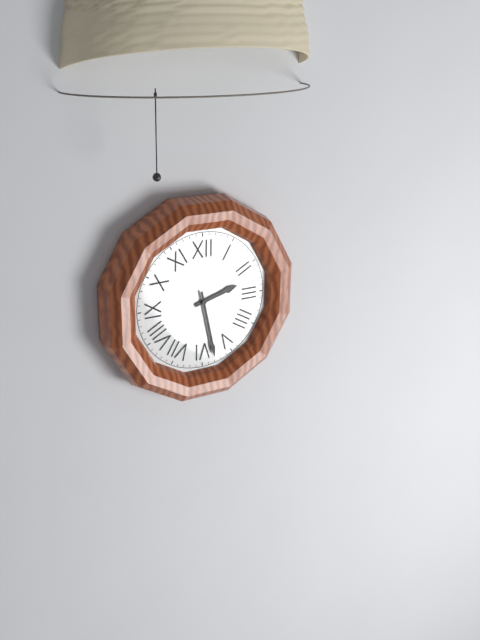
2 h 28 min
